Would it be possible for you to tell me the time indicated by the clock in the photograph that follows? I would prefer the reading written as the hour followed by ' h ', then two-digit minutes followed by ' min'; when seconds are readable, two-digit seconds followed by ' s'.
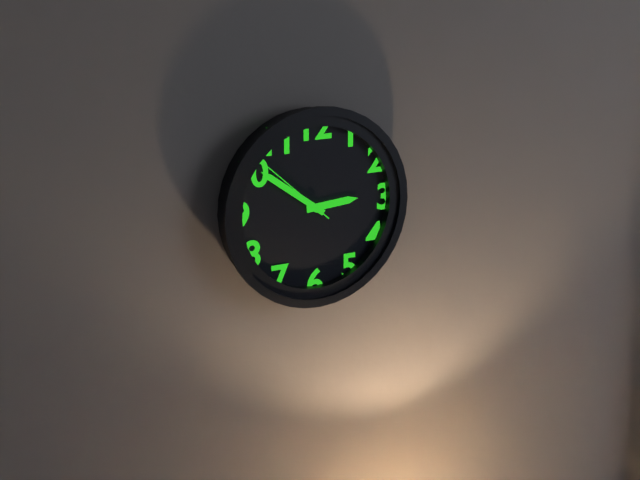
2 h 51 min 52 s
